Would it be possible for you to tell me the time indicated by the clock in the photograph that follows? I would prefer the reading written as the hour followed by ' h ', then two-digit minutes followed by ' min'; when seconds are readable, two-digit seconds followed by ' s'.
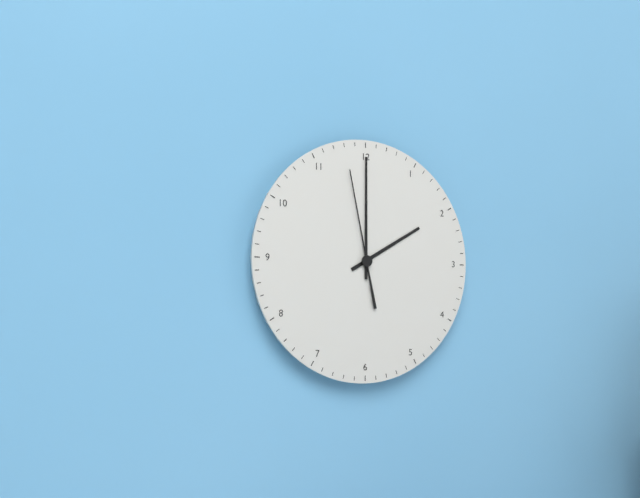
2 h 00 min 58 s
